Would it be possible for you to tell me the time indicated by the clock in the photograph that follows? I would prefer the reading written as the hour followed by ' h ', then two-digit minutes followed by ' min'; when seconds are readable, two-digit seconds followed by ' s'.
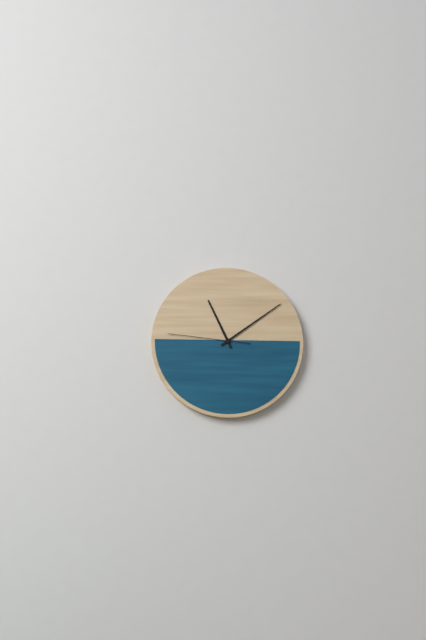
11 h 09 min 46 s
